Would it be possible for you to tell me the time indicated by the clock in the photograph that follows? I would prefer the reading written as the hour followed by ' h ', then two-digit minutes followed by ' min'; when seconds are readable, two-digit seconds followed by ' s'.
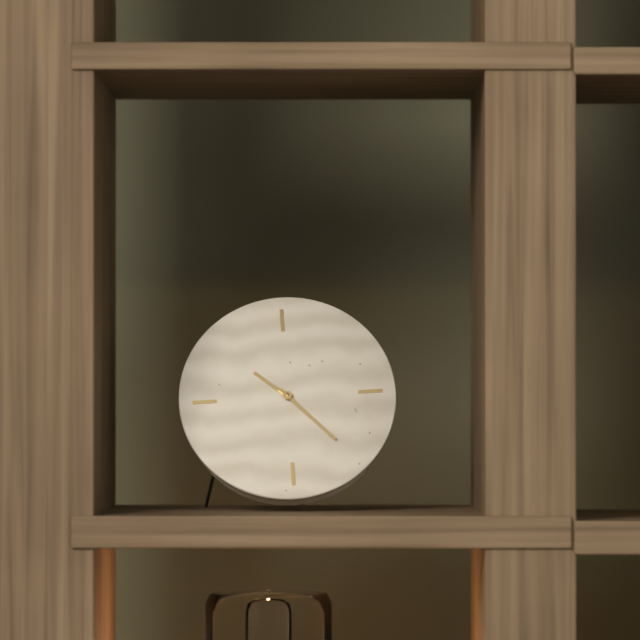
10 h 23 min
